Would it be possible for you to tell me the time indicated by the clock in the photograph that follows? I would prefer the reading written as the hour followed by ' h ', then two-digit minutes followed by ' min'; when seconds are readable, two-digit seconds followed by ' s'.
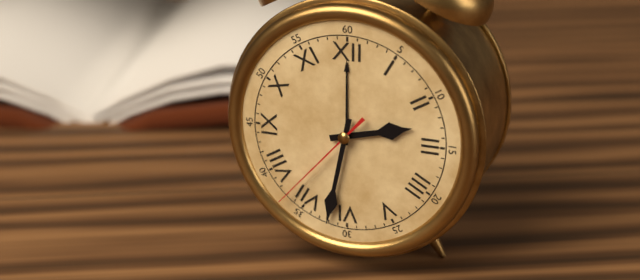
2 h 32 min 37 s
